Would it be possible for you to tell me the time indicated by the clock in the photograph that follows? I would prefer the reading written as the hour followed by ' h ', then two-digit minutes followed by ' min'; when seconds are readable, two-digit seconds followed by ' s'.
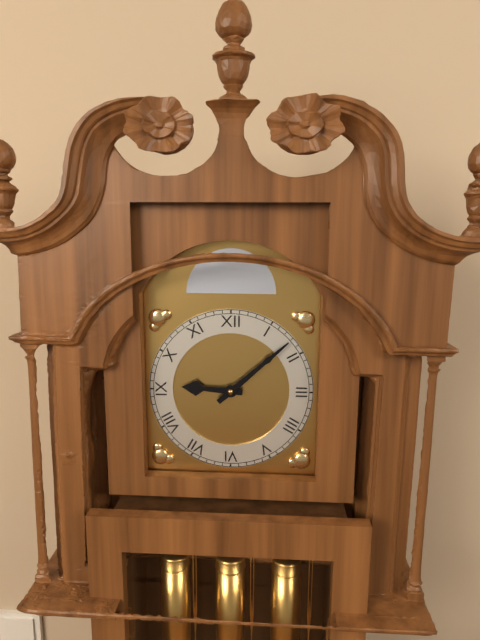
9 h 08 min
